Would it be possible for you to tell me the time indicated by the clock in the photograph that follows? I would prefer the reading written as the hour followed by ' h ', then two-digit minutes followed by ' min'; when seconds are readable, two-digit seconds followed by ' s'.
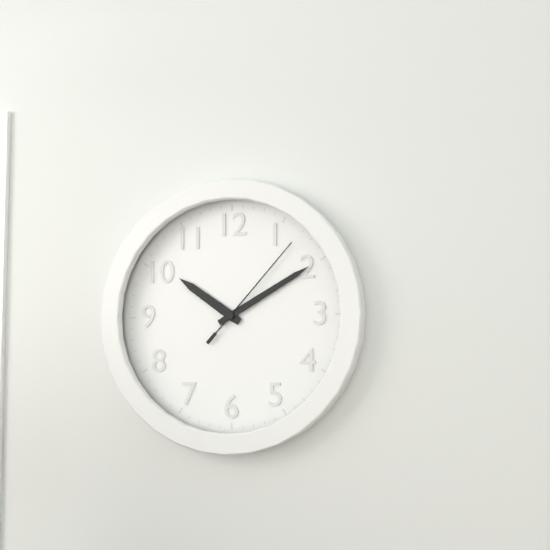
10 h 10 min 07 s
